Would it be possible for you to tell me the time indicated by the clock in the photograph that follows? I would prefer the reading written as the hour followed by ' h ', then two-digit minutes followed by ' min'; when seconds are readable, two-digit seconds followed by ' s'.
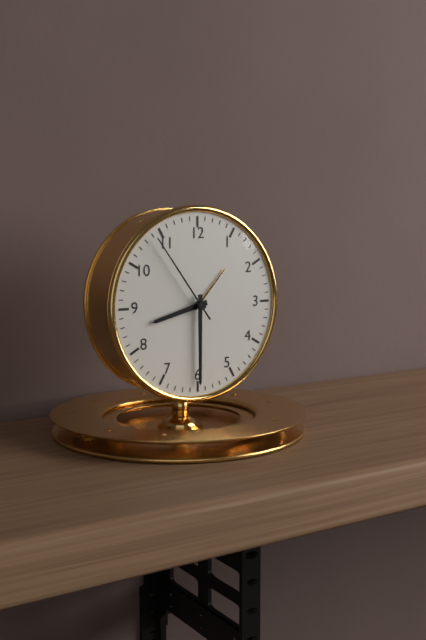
8 h 30 min 54 s
